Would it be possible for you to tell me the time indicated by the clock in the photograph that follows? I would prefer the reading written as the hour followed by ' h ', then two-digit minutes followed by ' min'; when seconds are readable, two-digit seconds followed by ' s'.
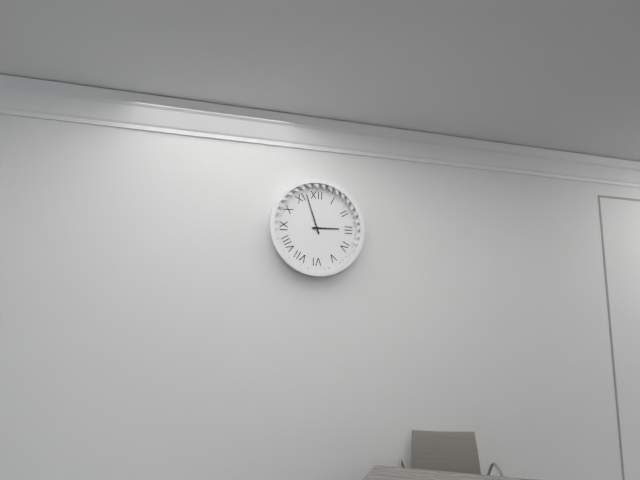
2 h 57 min
